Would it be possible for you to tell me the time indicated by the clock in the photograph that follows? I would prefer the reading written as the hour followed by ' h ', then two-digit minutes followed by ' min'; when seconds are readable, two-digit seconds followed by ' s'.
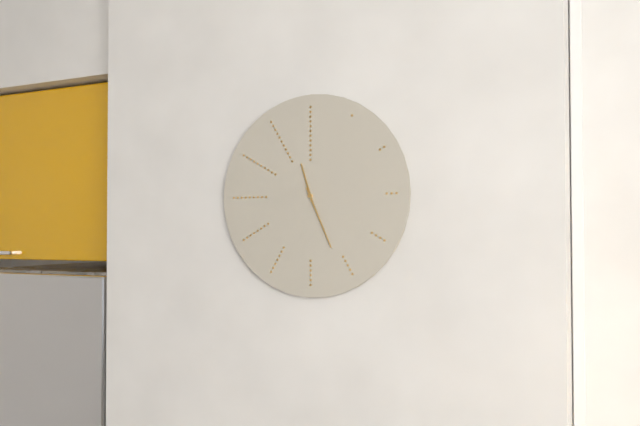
11 h 26 min
